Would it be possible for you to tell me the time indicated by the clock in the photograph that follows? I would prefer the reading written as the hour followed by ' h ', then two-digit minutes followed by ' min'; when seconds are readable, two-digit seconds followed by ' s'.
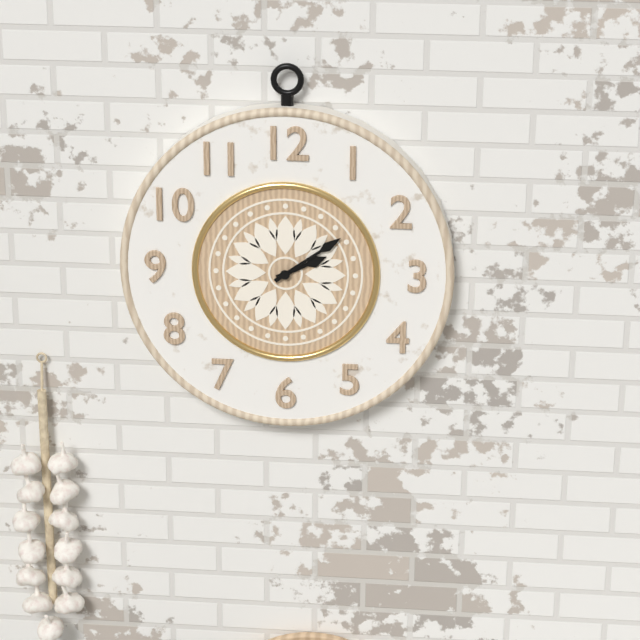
2 h 09 min
